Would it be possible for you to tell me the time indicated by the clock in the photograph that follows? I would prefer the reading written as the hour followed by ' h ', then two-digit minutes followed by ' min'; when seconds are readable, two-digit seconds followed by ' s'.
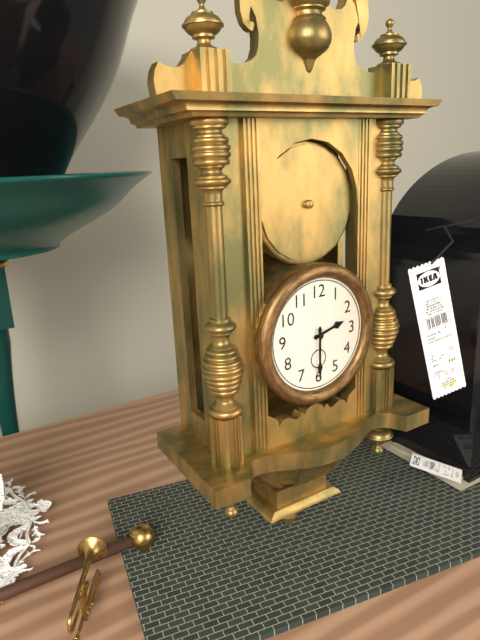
2 h 30 min
